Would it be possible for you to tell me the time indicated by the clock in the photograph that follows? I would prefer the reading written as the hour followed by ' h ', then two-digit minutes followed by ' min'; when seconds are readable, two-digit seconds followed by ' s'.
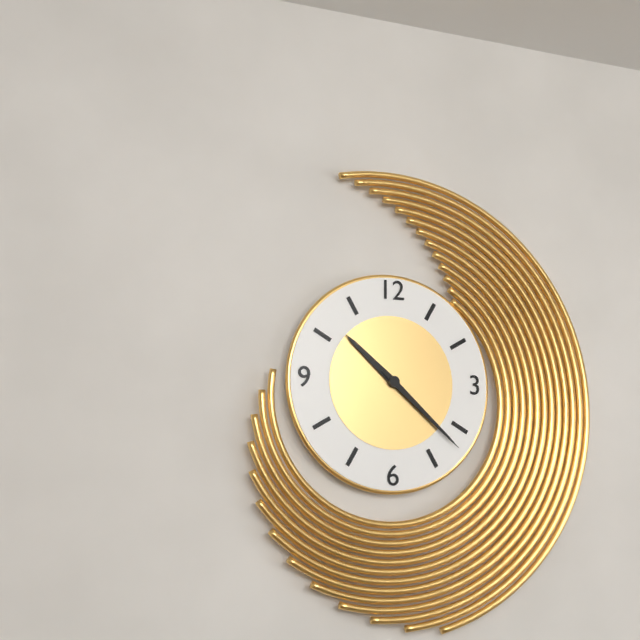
10 h 22 min
